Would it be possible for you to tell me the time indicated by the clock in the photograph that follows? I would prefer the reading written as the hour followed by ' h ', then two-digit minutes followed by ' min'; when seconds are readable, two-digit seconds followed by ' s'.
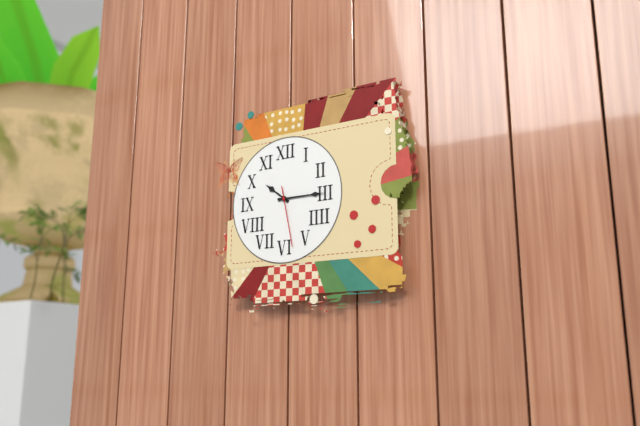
10 h 15 min 28 s
